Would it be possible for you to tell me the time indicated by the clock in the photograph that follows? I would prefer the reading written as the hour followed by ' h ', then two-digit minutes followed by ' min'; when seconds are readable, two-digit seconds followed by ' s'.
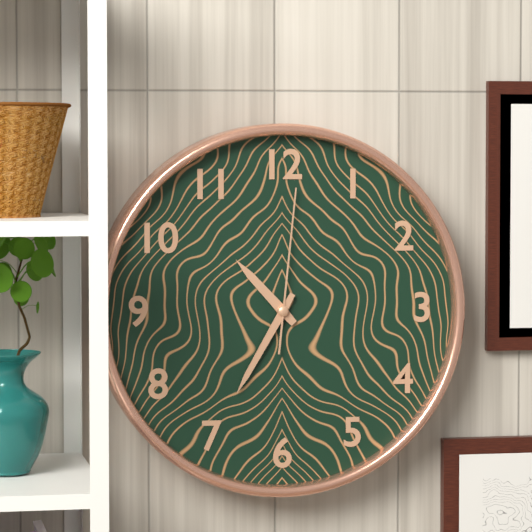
10 h 35 min 01 s
